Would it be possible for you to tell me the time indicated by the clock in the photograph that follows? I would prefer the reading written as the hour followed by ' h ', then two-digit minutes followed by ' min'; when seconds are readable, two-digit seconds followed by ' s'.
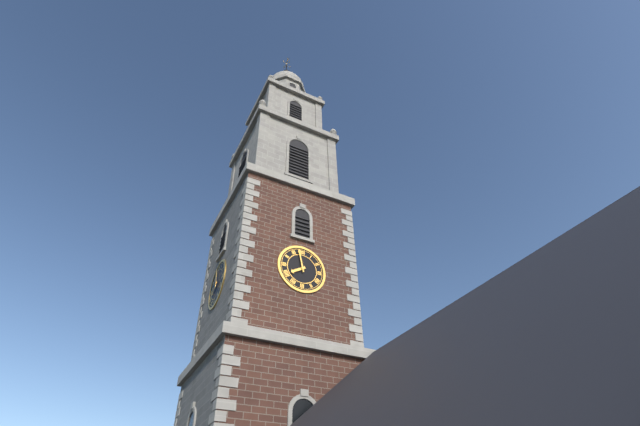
7 h 58 min
